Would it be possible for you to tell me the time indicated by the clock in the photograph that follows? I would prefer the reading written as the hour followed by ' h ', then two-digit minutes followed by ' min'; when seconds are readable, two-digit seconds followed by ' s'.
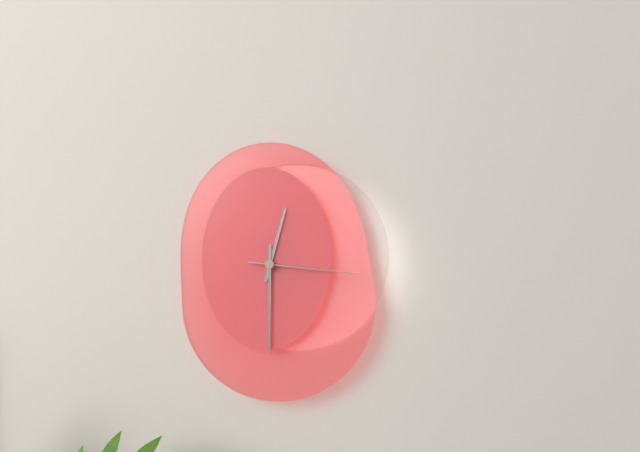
12 h 30 min 16 s
